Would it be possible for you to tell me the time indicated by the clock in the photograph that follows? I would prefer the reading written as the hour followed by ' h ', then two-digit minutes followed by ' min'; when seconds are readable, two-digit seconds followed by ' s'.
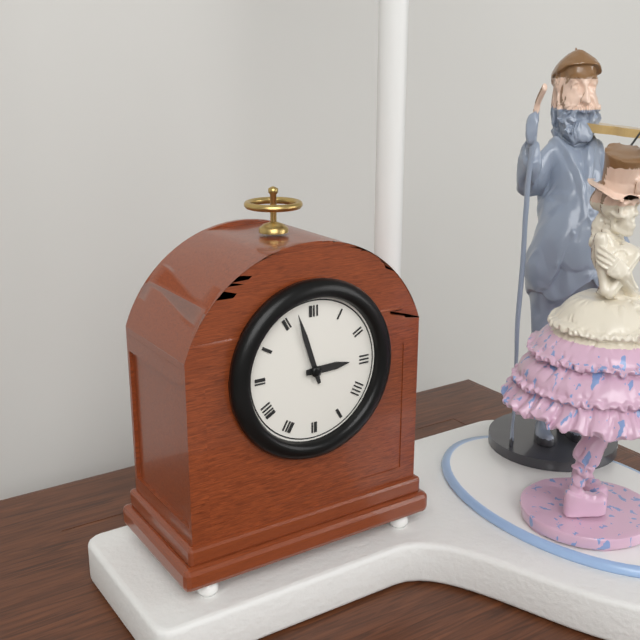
2 h 57 min
